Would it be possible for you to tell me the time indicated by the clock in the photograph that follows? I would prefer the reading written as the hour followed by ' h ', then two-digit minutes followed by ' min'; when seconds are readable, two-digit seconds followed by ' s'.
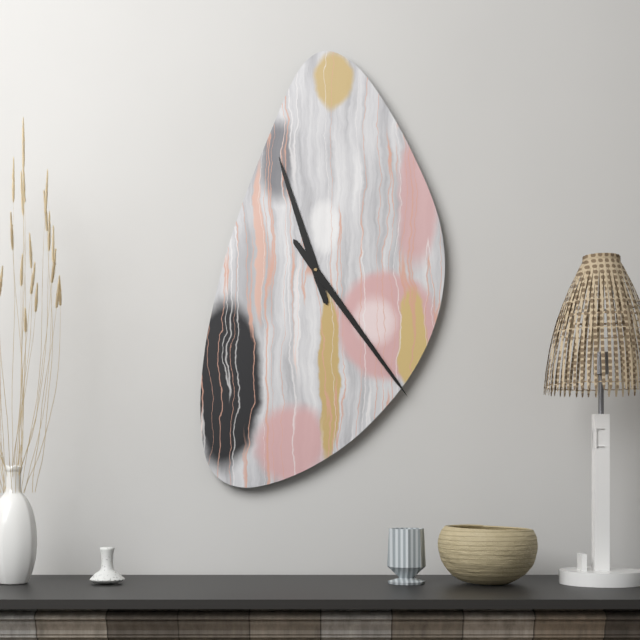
11 h 24 min
